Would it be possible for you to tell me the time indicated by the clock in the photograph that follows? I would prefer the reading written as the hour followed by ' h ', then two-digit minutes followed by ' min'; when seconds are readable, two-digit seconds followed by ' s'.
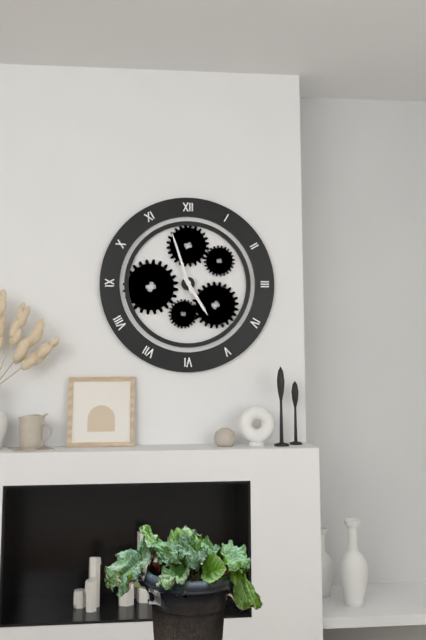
4 h 57 min
